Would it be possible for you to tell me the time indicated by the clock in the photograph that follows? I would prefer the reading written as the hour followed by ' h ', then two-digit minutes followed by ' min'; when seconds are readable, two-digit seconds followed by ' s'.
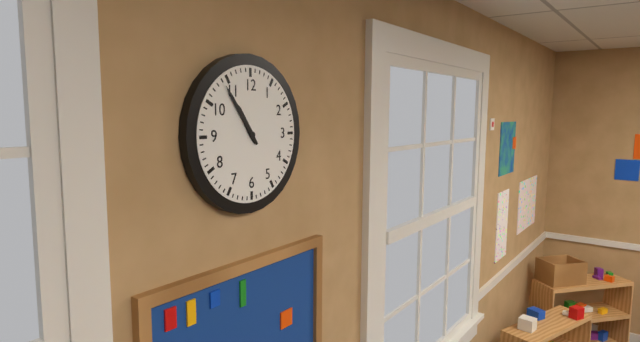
10 h 54 min
